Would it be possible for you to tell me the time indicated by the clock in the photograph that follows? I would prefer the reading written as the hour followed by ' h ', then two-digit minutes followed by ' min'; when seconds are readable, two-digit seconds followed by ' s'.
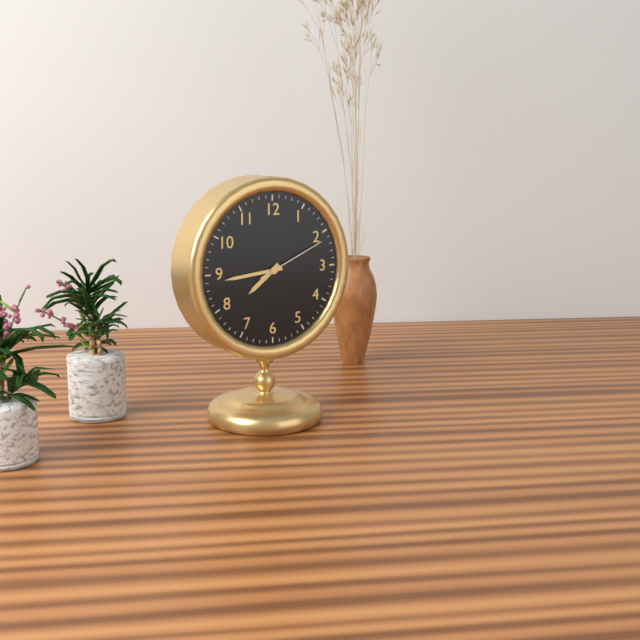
7 h 44 min 11 s
